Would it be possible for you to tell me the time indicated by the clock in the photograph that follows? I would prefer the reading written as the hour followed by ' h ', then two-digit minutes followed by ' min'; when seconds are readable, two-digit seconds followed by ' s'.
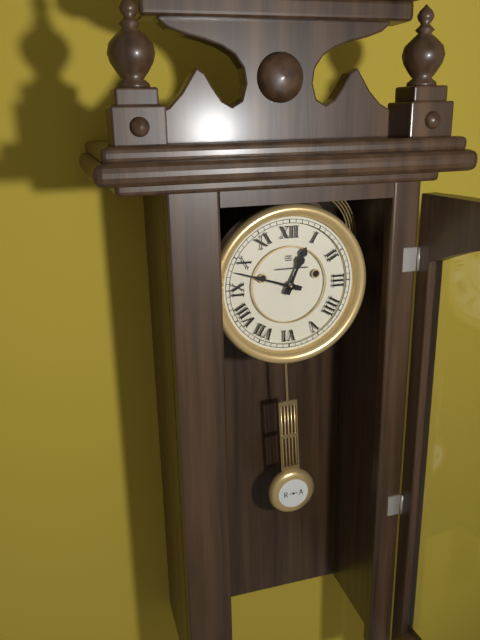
12 h 48 min
